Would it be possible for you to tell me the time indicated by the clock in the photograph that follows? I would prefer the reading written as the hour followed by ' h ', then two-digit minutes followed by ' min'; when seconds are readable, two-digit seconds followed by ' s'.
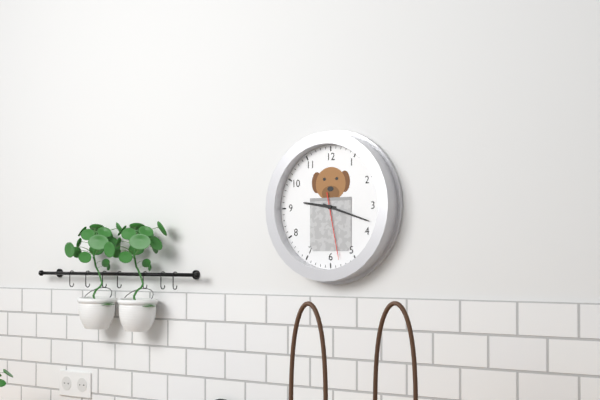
9 h 18 min 28 s
